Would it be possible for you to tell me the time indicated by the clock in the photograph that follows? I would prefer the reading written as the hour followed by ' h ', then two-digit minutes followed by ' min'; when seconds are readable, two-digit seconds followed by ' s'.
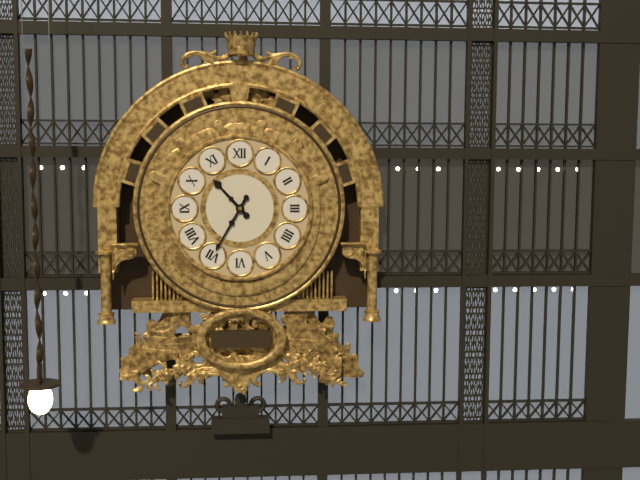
10 h 35 min
